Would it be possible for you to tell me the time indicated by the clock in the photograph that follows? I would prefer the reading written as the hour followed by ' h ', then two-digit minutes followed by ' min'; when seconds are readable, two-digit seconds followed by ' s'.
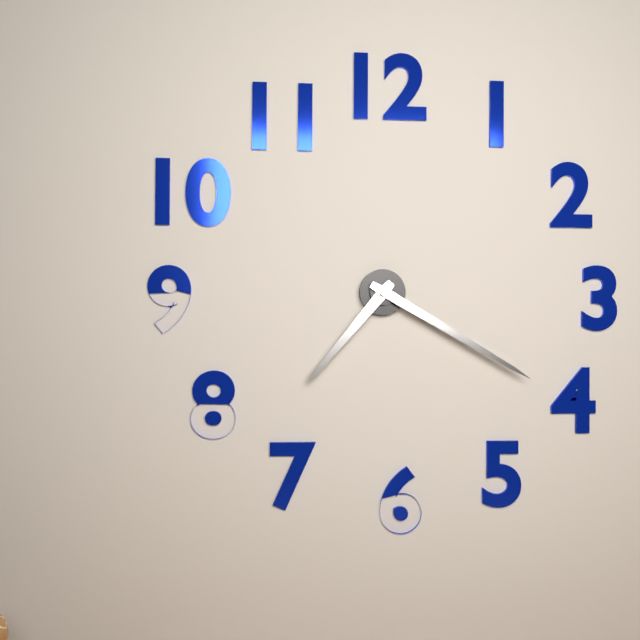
7 h 20 min
